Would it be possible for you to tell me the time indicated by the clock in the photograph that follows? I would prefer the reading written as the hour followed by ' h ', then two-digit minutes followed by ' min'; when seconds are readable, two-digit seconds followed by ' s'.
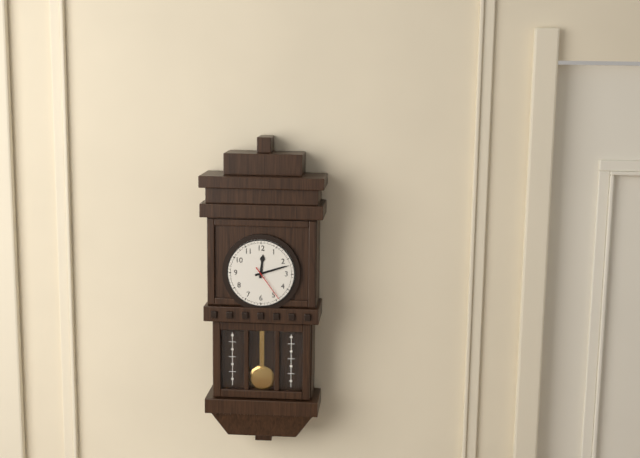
12 h 12 min
